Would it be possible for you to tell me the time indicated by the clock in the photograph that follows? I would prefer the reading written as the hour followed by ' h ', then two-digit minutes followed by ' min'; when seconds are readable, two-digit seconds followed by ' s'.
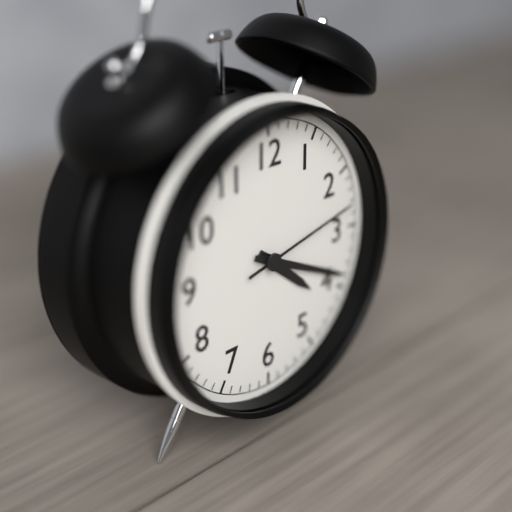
4 h 19 min 13 s
